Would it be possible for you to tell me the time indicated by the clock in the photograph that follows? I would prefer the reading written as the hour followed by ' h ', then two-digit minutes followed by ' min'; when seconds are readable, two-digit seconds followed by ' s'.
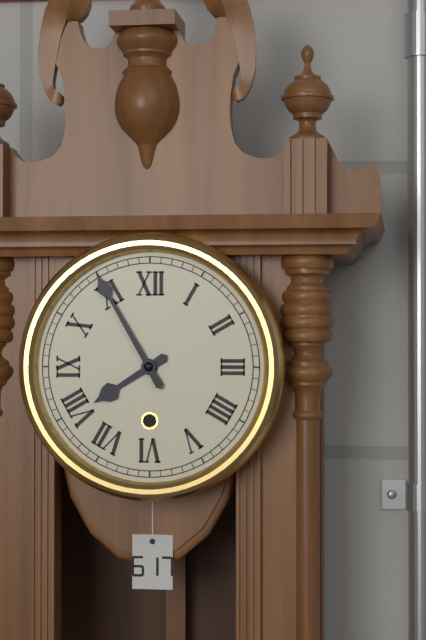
7 h 55 min
